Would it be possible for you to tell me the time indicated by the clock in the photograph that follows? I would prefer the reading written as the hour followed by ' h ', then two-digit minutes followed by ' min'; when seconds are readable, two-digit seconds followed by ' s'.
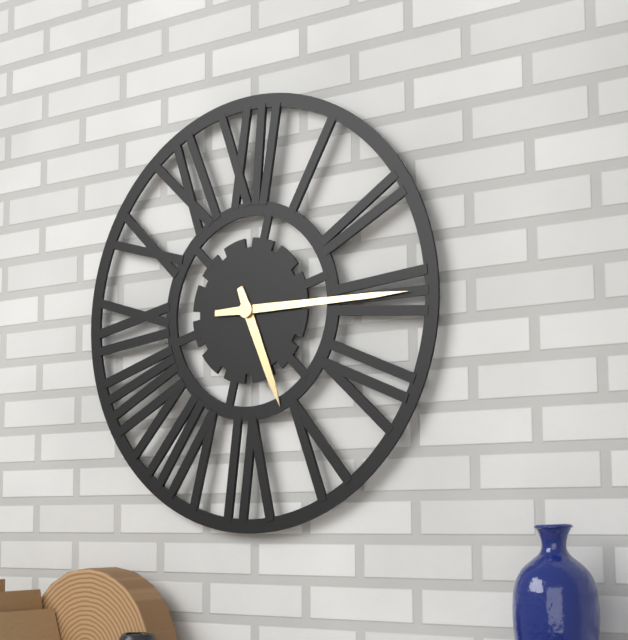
5 h 15 min
